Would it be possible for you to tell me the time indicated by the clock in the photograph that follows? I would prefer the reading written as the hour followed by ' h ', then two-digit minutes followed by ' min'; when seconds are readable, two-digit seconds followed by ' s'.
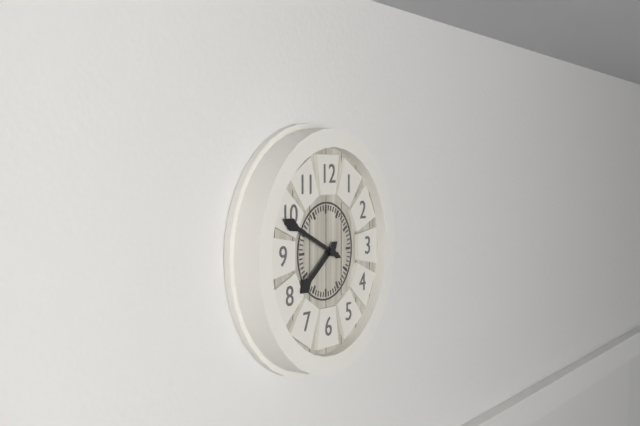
7 h 49 min
